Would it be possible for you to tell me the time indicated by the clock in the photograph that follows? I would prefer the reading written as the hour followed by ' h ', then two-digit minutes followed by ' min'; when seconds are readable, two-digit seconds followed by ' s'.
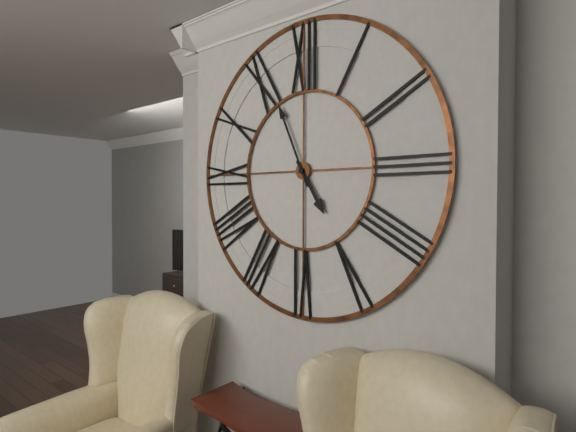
4 h 56 min
